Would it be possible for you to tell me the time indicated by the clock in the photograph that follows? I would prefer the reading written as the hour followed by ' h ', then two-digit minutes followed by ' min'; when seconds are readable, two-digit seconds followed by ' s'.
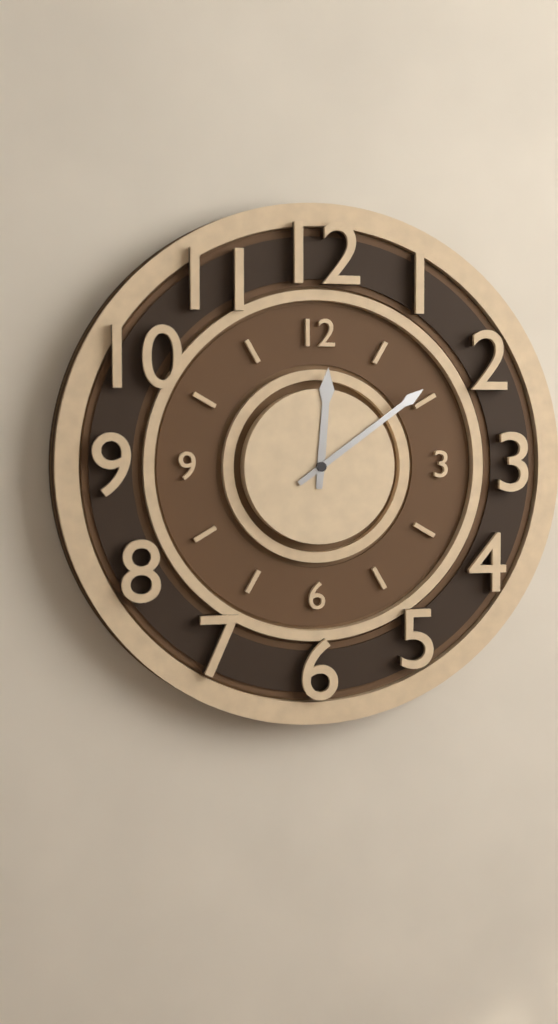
12 h 09 min
